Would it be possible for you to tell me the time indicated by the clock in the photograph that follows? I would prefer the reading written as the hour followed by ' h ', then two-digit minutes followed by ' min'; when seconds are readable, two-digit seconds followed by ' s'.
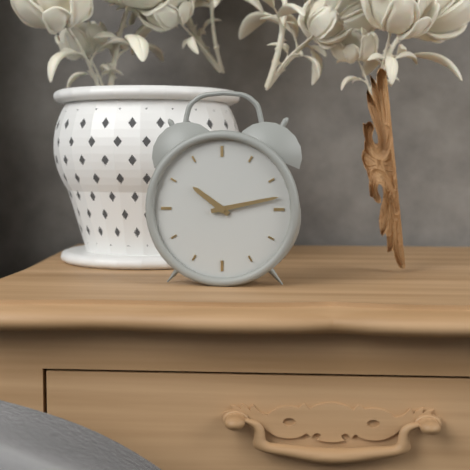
10 h 13 min
